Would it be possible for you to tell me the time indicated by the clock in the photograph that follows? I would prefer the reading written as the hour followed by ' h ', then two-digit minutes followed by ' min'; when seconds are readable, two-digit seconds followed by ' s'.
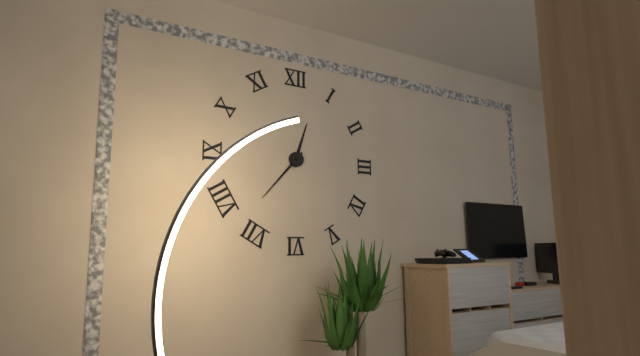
12 h 37 min
